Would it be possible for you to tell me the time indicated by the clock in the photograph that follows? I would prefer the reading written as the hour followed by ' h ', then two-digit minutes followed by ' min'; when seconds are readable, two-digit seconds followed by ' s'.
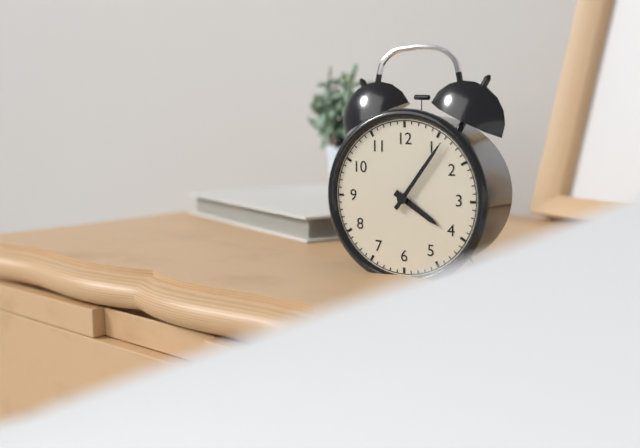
4 h 06 min
